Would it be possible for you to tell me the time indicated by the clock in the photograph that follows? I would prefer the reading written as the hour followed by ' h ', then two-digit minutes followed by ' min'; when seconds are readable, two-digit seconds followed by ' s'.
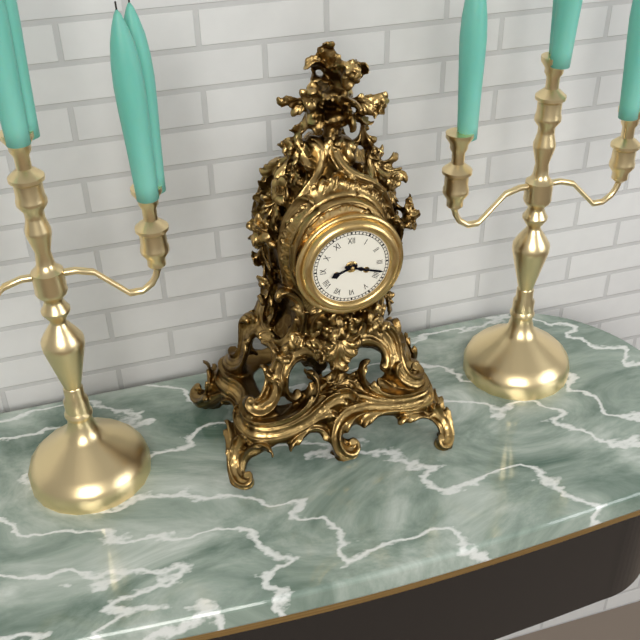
8 h 18 min
